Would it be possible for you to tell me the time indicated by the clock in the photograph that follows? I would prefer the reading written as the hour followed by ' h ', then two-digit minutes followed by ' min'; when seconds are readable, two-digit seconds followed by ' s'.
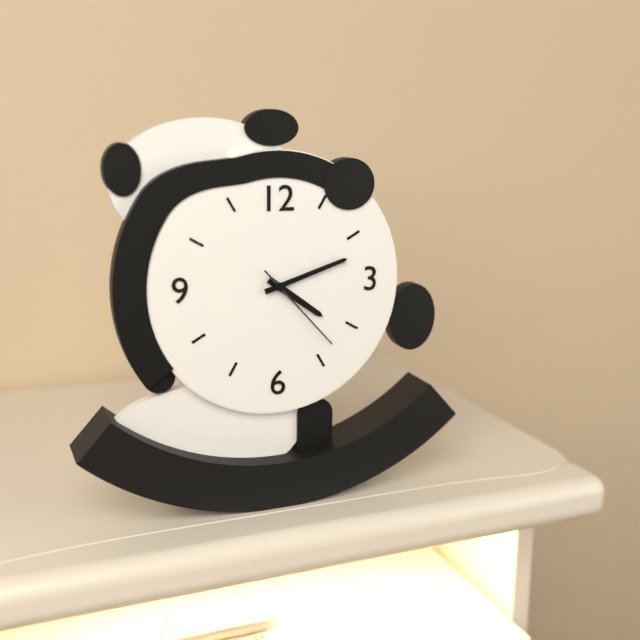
4 h 12 min 23 s
